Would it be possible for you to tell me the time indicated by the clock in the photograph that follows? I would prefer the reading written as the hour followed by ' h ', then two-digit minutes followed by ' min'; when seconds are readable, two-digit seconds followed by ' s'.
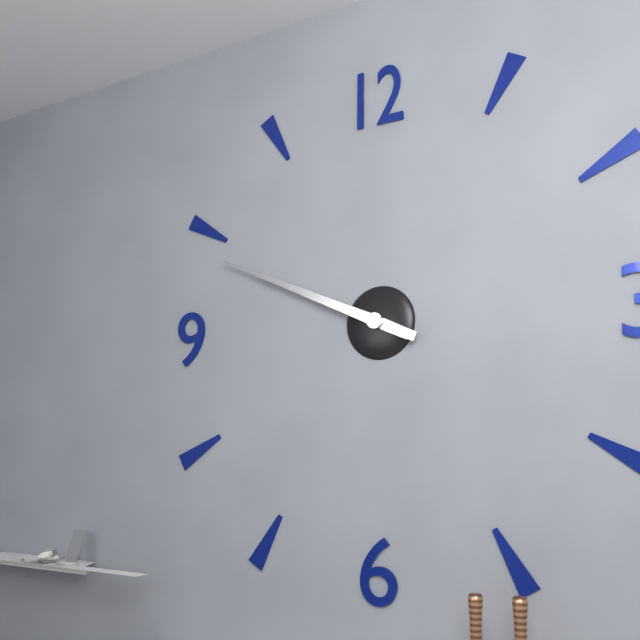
9 h 49 min
